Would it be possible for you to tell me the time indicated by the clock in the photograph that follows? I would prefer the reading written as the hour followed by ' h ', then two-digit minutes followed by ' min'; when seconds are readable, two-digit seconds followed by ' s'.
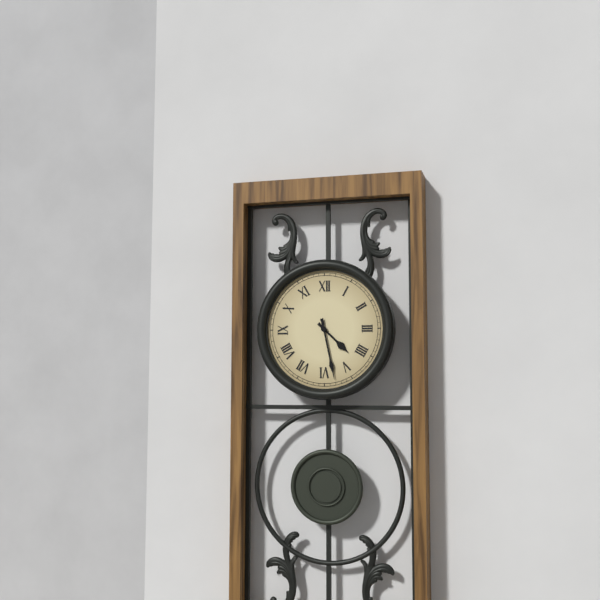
4 h 28 min
